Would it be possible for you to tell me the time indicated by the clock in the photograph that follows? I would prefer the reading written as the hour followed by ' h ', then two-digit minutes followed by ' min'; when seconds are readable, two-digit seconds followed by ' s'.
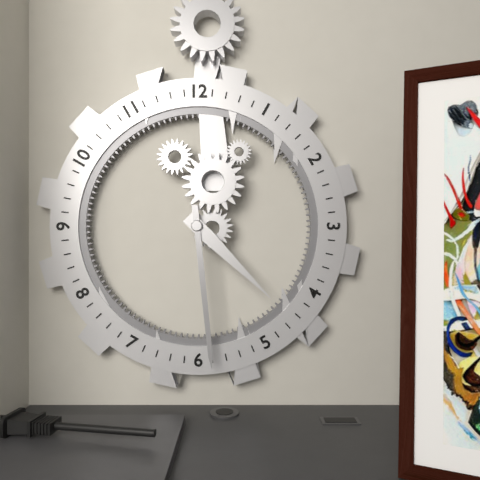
4 h 29 min
